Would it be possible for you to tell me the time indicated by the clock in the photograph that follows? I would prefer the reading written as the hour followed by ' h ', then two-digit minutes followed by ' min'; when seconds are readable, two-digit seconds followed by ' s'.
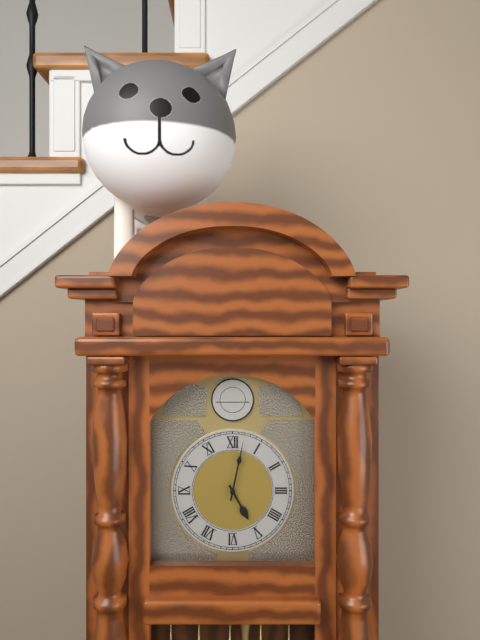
5 h 02 min
